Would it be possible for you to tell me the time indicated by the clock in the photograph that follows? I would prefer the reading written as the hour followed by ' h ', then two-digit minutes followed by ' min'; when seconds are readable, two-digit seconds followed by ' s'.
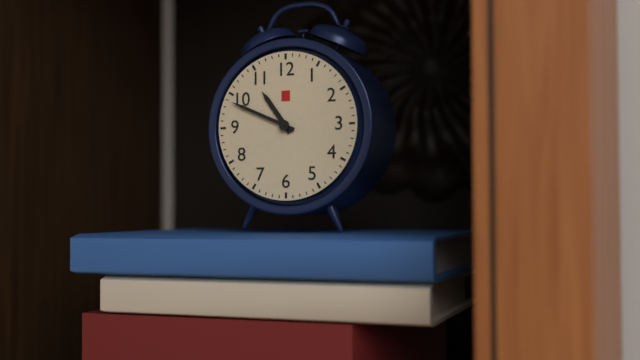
10 h 49 min
